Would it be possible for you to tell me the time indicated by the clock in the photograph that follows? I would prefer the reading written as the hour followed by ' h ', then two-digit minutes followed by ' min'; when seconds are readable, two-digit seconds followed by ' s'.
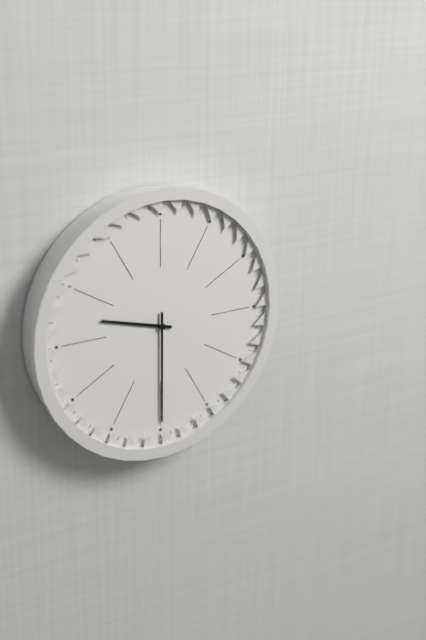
9 h 30 min
